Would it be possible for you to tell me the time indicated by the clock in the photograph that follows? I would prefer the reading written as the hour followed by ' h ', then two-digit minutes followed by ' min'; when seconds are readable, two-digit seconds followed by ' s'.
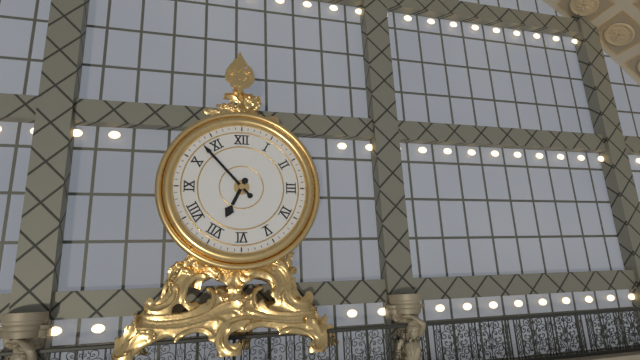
6 h 53 min
